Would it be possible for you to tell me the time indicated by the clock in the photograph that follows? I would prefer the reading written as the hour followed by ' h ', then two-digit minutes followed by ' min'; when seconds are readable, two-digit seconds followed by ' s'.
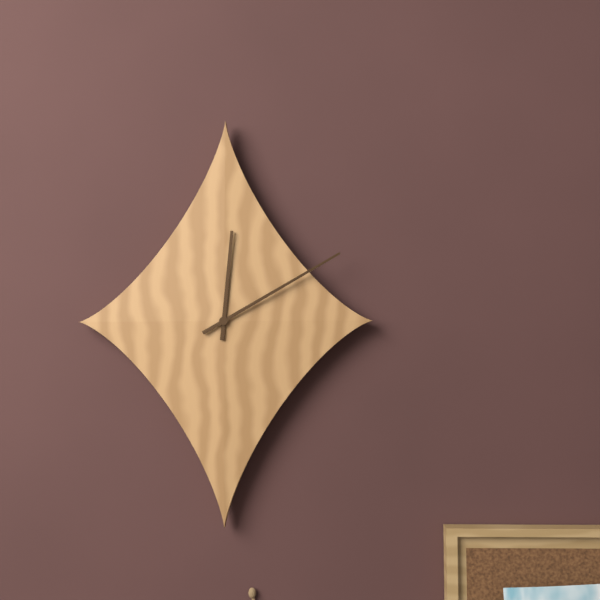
12 h 10 min
